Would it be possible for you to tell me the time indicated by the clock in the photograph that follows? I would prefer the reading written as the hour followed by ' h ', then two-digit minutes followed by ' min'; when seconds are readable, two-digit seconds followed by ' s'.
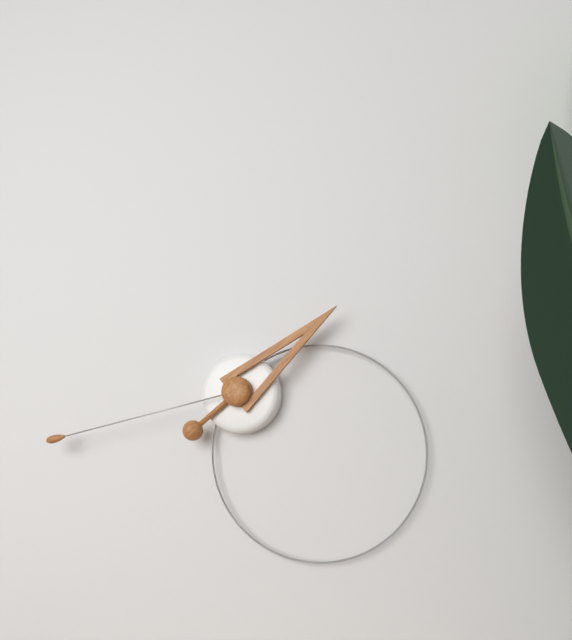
1 h 43 min
